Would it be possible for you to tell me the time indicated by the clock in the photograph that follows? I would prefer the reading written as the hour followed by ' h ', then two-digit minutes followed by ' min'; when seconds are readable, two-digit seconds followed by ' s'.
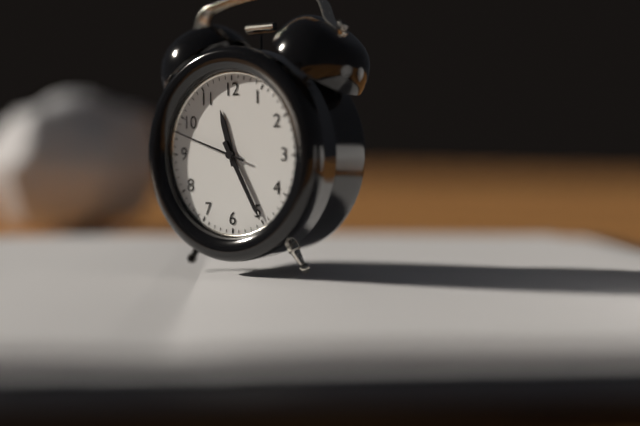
11 h 25 min 48 s
